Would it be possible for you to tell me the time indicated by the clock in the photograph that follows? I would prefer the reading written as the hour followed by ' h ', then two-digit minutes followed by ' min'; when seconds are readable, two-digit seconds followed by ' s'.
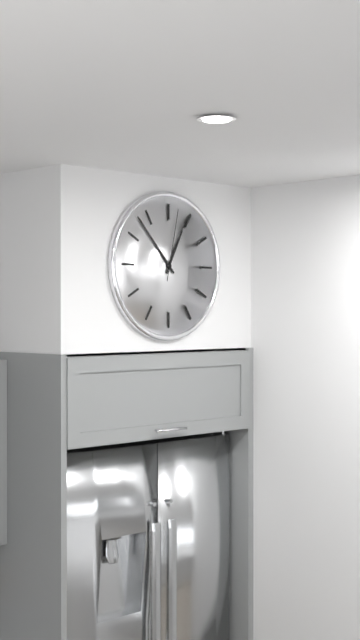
12 h 53 min 02 s
